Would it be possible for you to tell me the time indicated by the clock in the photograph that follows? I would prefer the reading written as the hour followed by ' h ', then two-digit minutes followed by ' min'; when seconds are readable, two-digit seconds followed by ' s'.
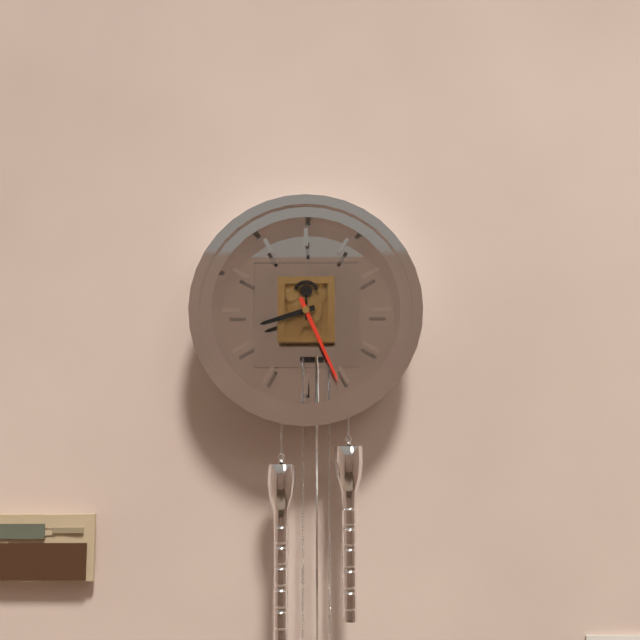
8 h 26 min
